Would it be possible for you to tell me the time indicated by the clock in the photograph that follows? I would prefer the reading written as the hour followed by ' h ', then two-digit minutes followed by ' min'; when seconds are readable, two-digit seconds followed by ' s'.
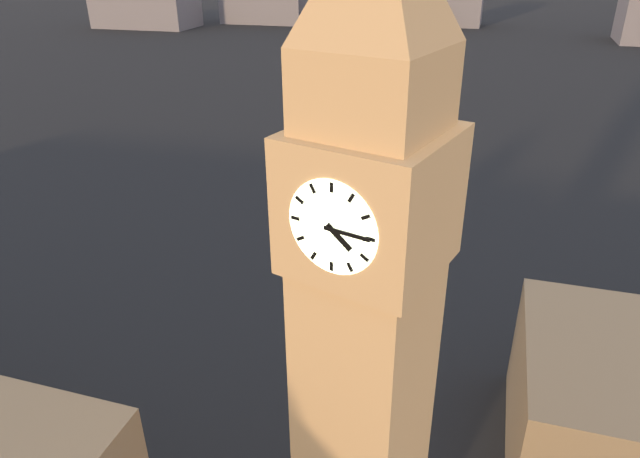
4 h 15 min
